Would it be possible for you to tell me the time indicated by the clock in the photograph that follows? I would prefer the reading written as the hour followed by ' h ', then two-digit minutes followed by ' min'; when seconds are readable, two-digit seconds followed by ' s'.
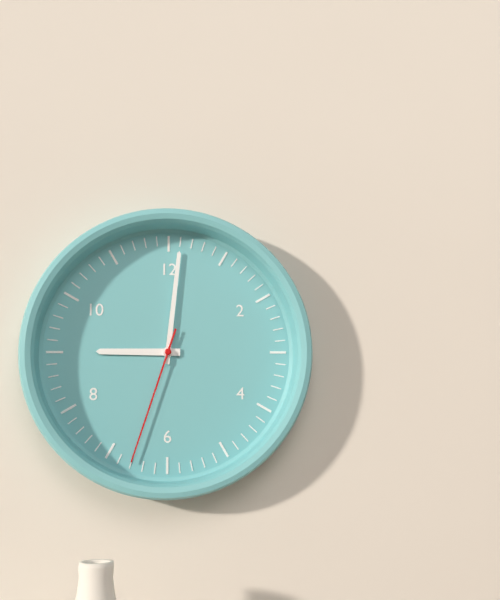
9 h 01 min 33 s
